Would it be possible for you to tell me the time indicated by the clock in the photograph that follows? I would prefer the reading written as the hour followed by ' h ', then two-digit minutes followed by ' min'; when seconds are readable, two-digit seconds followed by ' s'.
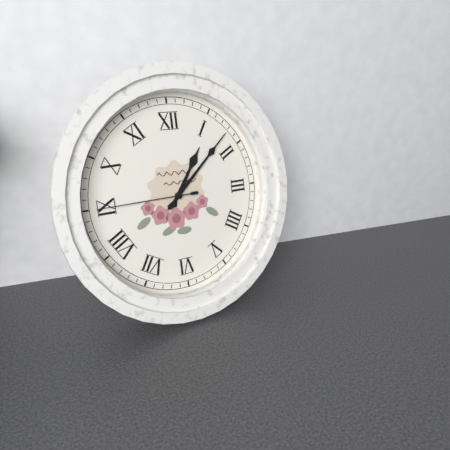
1 h 08 min 45 s
